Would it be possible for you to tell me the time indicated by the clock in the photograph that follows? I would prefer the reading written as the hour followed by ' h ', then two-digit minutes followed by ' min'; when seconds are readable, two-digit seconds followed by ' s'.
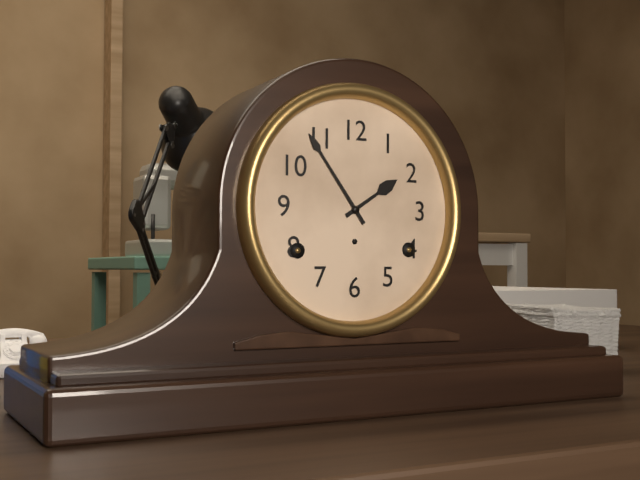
1 h 54 min
